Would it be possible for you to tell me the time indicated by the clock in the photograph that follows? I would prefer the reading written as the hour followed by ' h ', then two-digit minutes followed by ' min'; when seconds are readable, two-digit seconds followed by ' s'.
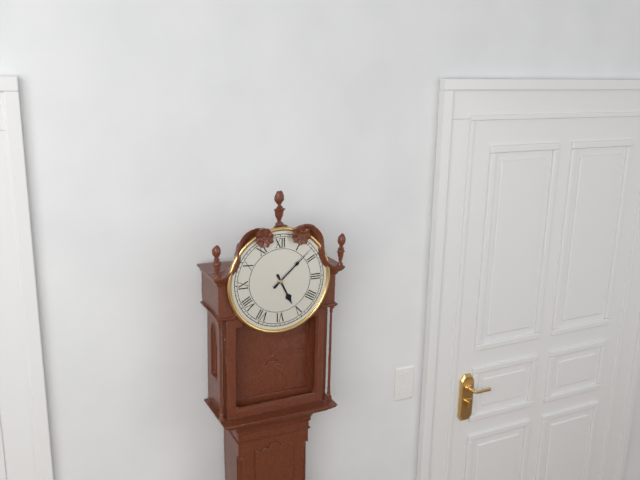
5 h 08 min
